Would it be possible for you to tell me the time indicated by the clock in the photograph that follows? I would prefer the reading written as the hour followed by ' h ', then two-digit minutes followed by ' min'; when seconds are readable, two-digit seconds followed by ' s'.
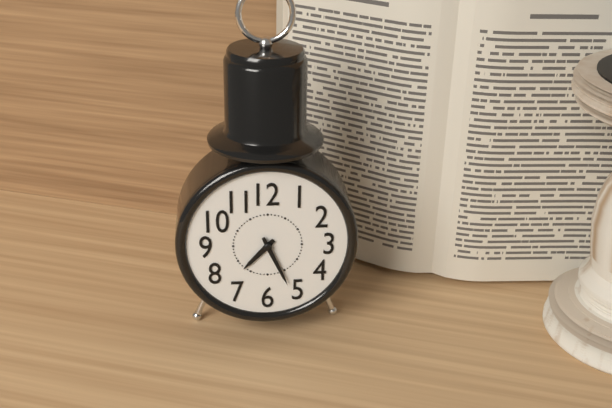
7 h 26 min
